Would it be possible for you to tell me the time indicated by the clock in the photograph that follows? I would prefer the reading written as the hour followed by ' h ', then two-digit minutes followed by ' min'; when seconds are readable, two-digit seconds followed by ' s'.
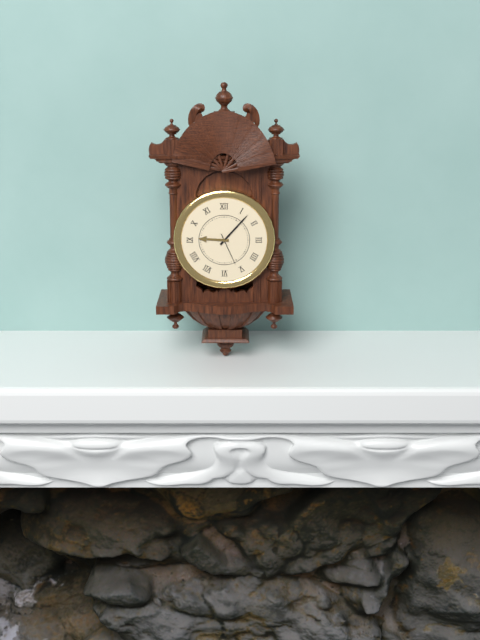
9 h 07 min
